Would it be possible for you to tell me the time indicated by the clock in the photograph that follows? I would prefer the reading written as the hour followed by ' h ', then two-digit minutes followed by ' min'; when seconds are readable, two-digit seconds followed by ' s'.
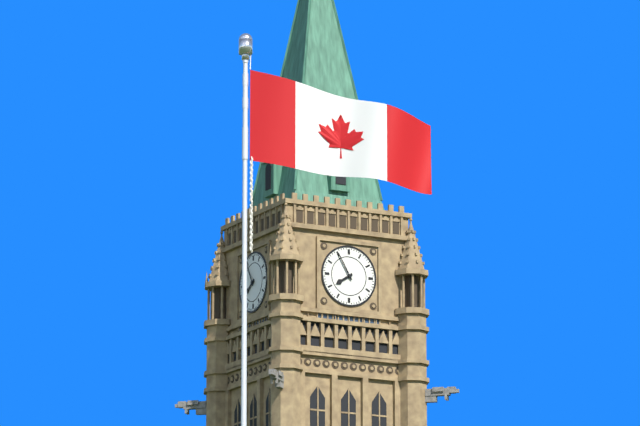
7 h 55 min
